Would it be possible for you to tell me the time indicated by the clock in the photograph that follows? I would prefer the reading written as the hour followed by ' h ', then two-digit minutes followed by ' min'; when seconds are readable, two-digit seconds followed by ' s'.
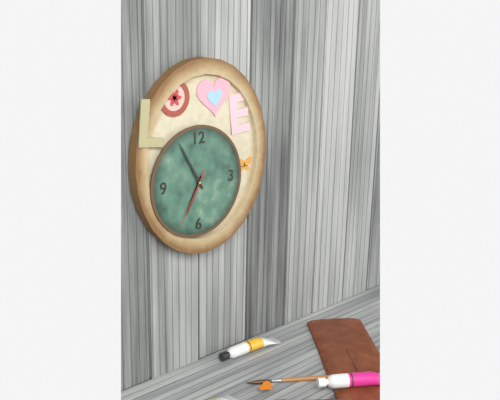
6 h 55 min 35 s
